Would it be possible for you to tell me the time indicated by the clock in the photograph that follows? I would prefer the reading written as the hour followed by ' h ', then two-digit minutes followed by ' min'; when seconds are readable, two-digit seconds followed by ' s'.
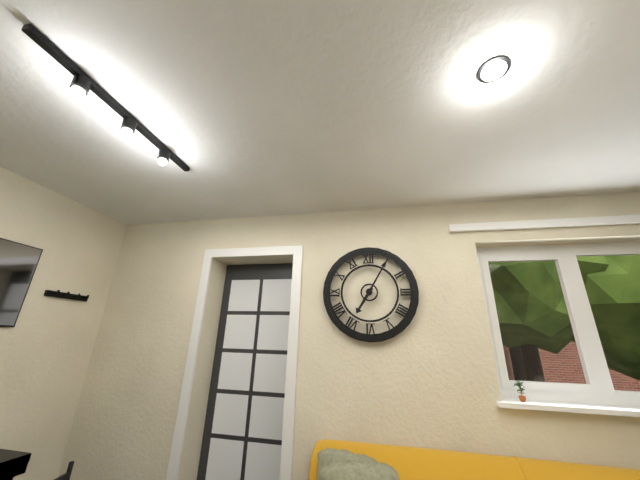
7 h 05 min
